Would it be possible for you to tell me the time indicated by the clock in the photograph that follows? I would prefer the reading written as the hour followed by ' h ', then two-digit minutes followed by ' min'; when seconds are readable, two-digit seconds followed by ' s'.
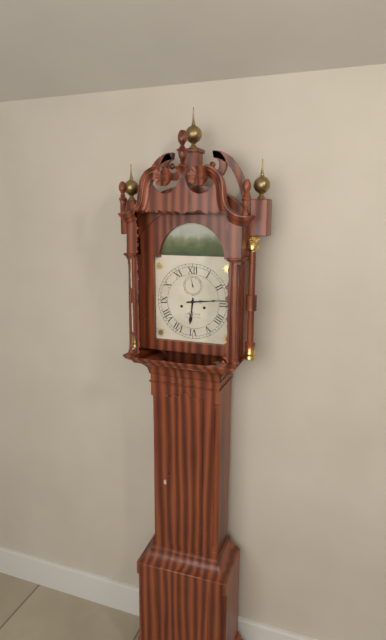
6 h 14 min
